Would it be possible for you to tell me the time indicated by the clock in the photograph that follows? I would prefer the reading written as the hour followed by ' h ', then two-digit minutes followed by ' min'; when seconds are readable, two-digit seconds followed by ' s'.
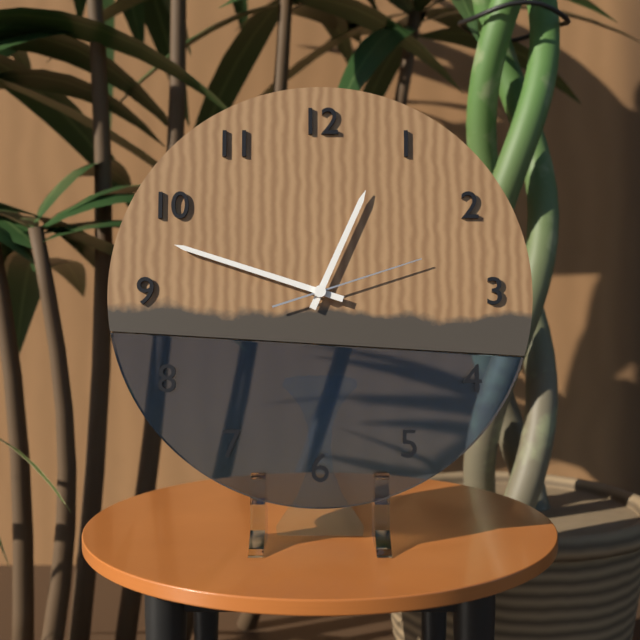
12 h 48 min 12 s
